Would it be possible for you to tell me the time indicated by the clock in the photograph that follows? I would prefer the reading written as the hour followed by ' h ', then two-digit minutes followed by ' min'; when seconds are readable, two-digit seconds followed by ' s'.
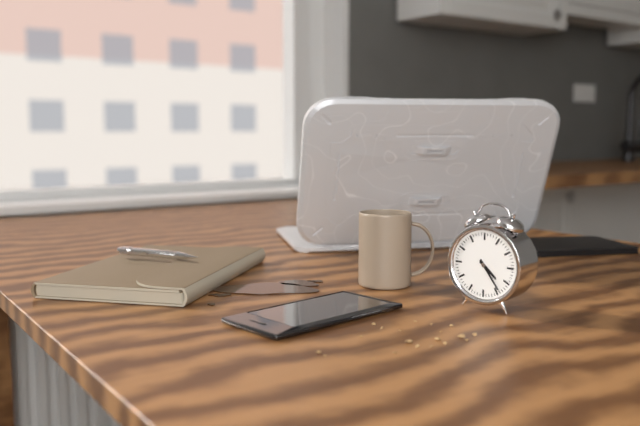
4 h 24 min
